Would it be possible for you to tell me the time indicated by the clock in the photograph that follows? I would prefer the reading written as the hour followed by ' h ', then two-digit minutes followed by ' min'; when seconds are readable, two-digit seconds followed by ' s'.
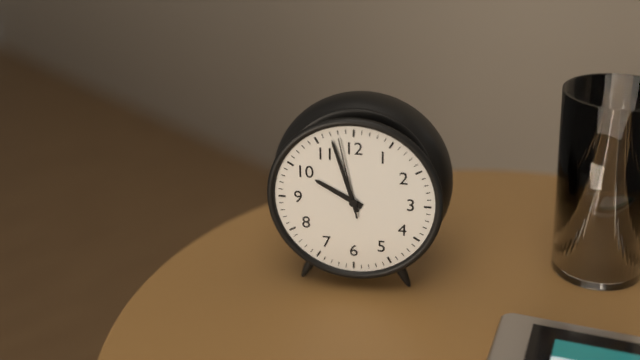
9 h 57 min 58 s
